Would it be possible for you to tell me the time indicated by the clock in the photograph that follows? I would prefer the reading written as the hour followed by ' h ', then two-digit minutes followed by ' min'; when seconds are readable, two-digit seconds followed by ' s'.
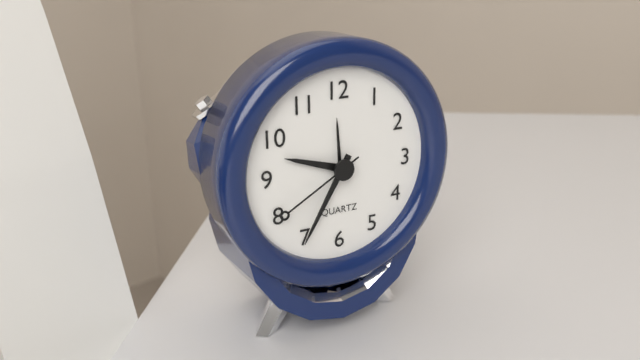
9 h 35 min 40 s
